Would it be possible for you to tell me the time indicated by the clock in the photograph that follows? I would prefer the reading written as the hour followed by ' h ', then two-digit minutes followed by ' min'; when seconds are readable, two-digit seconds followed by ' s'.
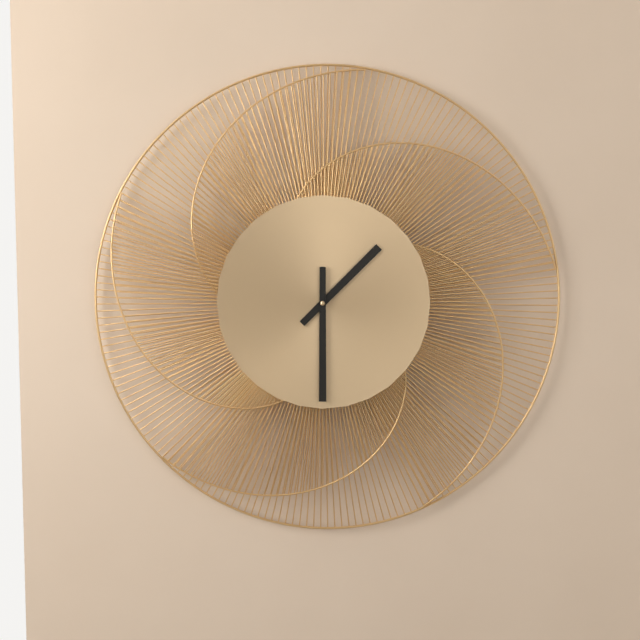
1 h 30 min
